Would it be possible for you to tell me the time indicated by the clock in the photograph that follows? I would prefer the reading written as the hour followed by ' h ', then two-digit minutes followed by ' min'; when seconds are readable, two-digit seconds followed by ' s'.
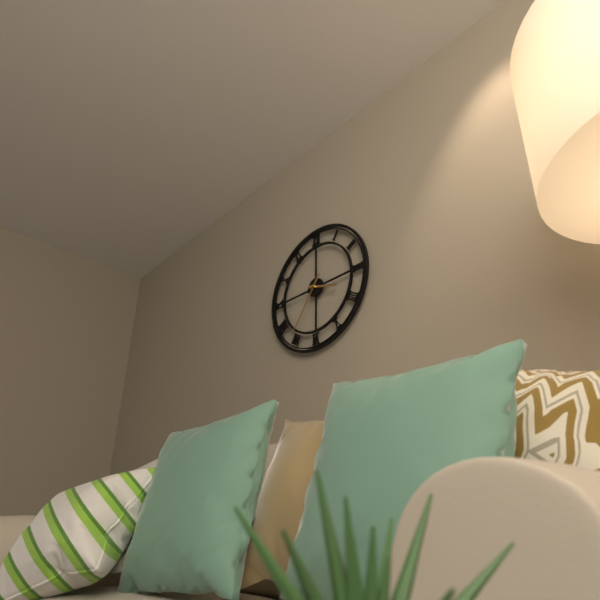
3 h 36 min
